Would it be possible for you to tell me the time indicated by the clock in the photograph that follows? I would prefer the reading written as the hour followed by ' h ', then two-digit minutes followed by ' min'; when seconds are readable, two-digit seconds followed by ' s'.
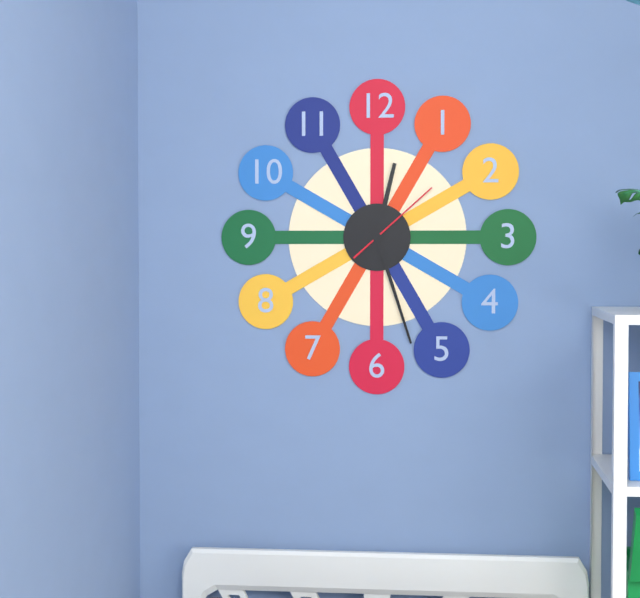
12 h 27 min 08 s
